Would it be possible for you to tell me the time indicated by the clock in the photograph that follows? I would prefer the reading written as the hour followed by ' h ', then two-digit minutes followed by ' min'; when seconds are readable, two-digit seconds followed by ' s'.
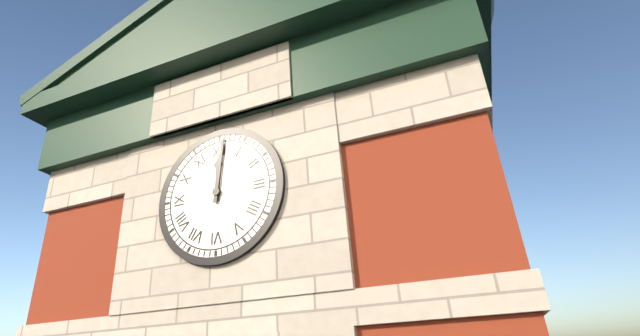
12 h 01 min
